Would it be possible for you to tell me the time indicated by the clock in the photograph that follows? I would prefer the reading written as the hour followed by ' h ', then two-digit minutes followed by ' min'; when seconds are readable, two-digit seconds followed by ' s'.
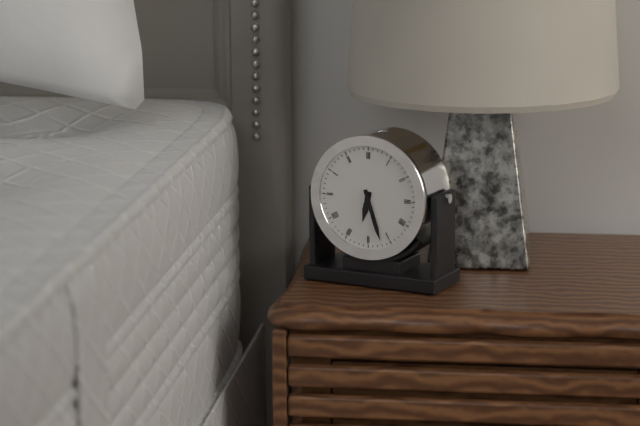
6 h 27 min
